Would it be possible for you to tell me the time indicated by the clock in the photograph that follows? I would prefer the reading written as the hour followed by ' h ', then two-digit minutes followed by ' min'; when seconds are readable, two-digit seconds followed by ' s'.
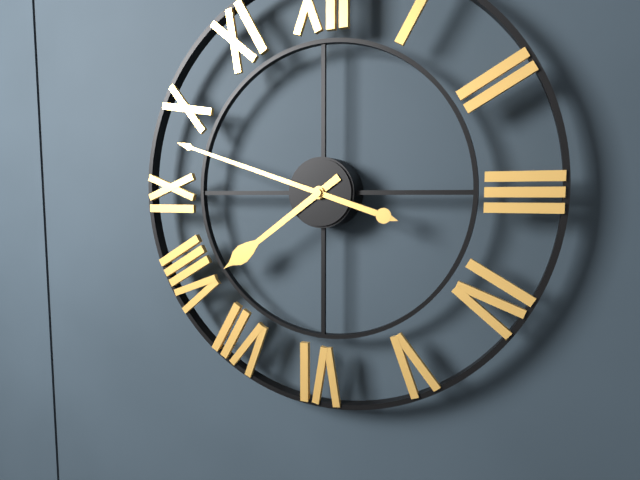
7 h 48 min
